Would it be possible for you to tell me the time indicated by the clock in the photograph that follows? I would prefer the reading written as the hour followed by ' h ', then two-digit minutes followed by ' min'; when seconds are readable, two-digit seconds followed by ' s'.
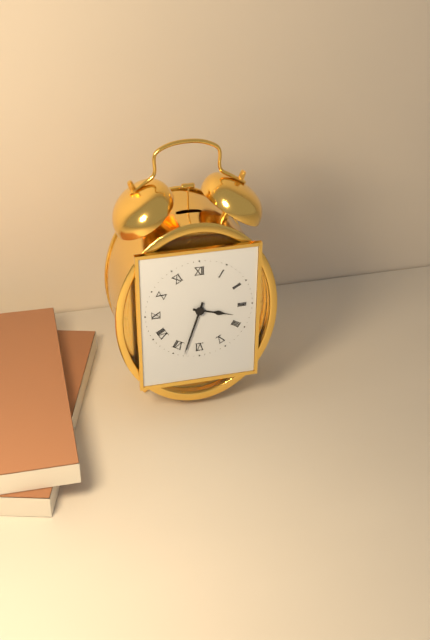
3 h 33 min
